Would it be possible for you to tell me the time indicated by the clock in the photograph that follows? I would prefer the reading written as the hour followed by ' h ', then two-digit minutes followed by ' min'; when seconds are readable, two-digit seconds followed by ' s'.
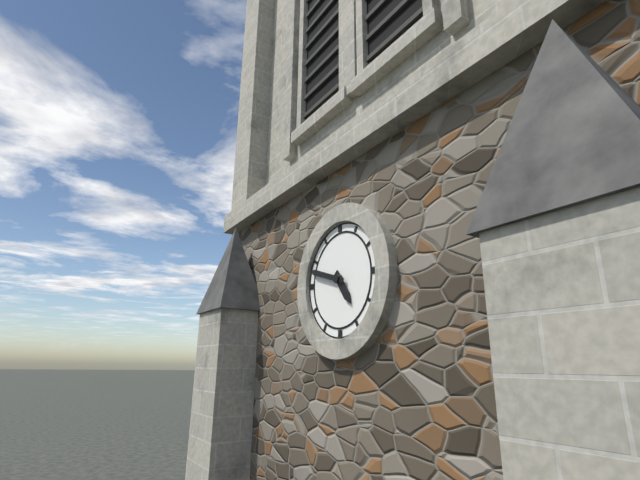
4 h 48 min
